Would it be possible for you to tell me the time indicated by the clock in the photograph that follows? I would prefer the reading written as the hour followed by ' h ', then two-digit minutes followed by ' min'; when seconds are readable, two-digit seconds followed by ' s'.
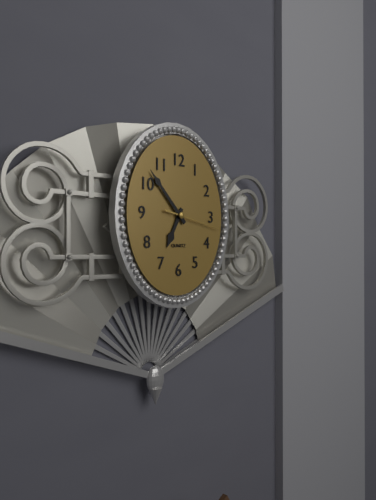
6 h 53 min 17 s
